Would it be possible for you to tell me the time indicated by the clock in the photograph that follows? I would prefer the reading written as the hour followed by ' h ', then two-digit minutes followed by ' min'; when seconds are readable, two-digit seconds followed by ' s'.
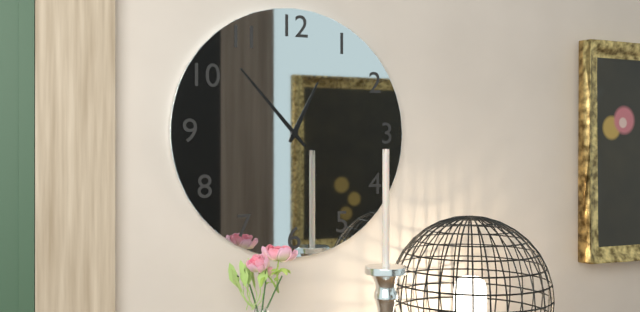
12 h 53 min
